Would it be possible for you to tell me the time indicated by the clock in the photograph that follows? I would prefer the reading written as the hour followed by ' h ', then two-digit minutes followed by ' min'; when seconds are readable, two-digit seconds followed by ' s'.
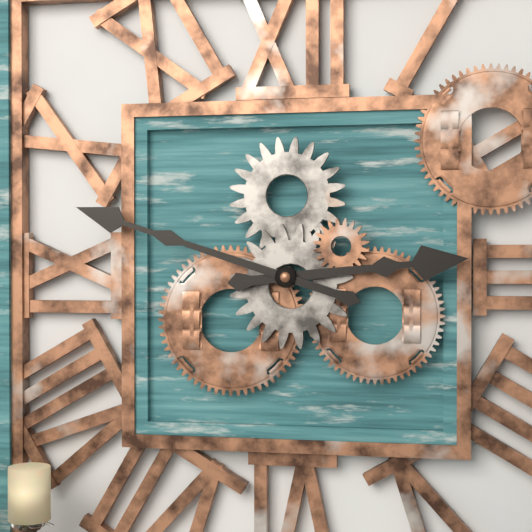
2 h 48 min
